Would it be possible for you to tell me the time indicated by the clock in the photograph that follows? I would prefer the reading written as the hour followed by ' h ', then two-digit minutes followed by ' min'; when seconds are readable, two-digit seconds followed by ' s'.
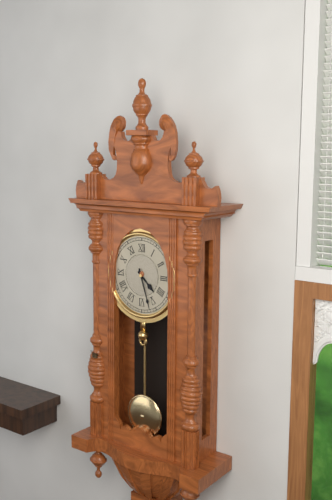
4 h 27 min
